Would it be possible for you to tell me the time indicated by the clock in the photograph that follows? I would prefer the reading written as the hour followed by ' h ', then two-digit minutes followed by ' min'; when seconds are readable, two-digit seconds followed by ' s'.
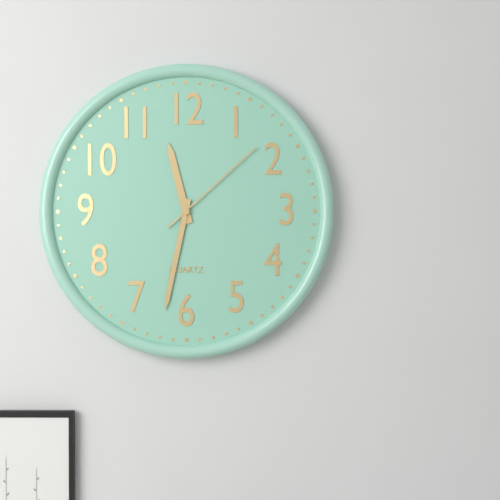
11 h 32 min 08 s
